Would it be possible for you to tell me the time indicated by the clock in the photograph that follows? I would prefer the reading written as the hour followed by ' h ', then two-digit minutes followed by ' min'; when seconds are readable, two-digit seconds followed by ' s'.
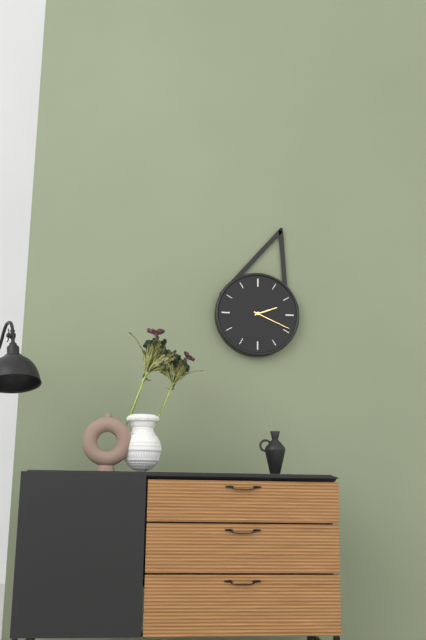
2 h 19 min
